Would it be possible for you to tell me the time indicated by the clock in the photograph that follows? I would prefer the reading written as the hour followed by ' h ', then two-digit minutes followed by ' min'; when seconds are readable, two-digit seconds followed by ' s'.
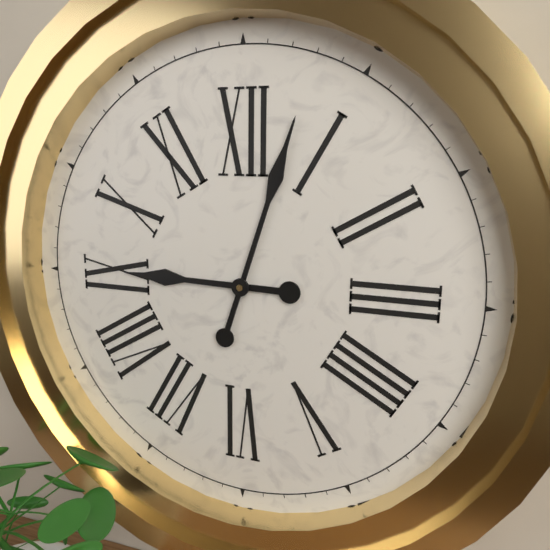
9 h 03 min
